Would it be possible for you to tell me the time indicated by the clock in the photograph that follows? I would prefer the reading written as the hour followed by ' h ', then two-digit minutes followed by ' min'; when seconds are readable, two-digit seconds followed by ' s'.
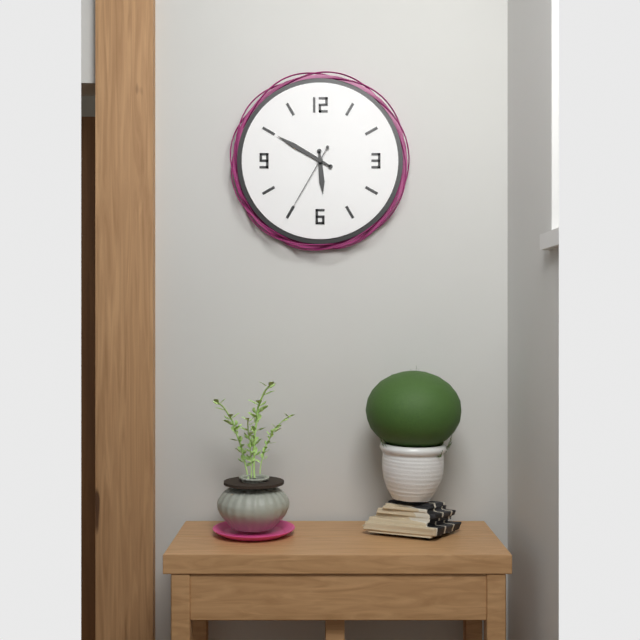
5 h 50 min 35 s
